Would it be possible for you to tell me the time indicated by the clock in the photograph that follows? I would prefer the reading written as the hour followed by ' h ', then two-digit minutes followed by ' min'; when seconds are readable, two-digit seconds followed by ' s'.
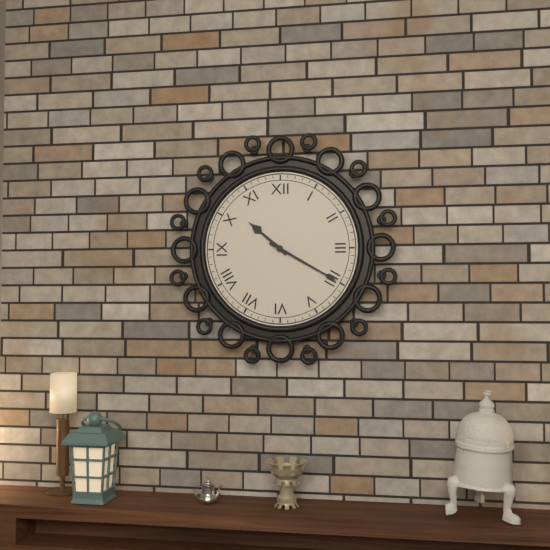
10 h 20 min
